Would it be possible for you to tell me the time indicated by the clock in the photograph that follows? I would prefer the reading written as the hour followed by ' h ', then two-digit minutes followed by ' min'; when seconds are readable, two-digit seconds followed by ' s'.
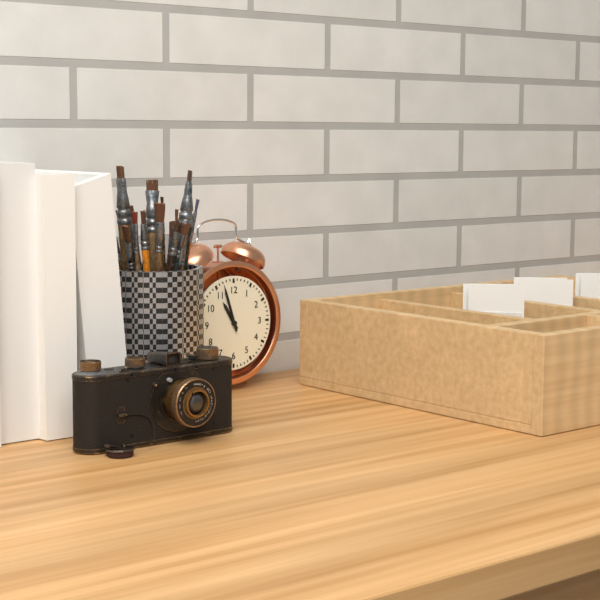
10 h 57 min
